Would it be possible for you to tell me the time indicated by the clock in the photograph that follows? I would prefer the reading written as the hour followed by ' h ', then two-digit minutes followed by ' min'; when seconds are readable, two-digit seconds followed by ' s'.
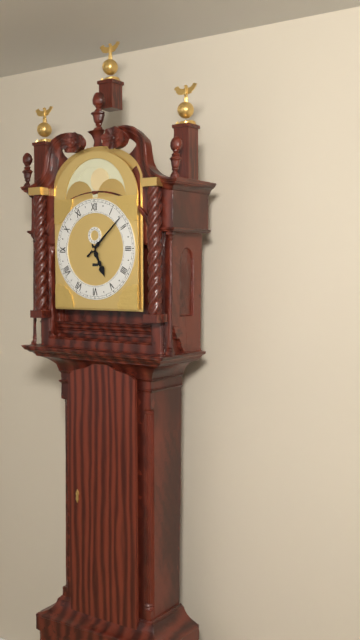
5 h 08 min
